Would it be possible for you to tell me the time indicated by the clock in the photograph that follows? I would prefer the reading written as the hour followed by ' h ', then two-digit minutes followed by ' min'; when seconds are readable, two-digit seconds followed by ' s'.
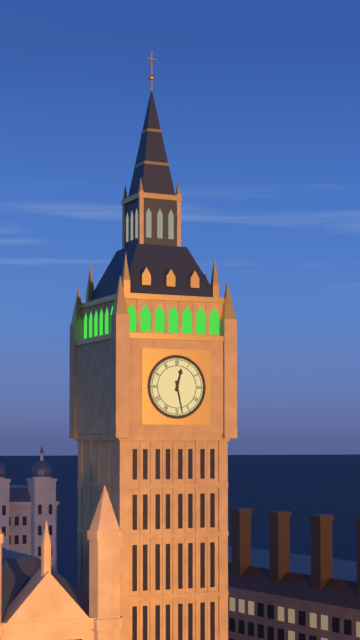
12 h 28 min
